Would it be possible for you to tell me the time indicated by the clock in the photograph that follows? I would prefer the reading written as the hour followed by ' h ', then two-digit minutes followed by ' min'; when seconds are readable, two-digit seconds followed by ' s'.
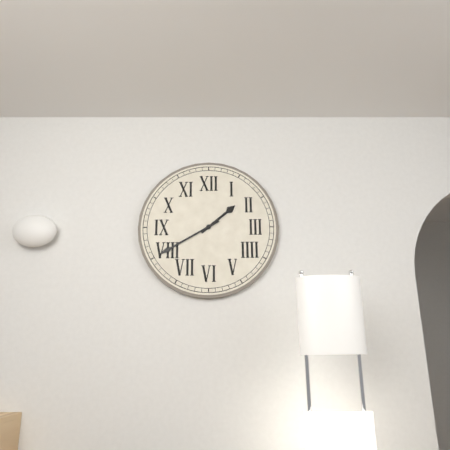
1 h 40 min
